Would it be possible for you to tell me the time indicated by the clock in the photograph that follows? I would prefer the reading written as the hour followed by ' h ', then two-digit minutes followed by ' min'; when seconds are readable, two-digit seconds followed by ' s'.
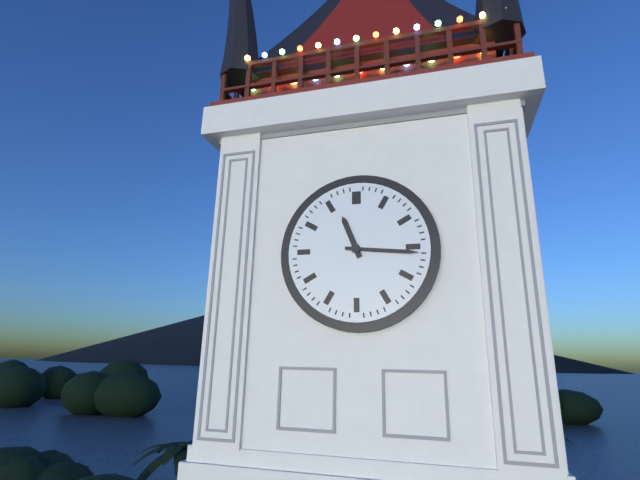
11 h 16 min
